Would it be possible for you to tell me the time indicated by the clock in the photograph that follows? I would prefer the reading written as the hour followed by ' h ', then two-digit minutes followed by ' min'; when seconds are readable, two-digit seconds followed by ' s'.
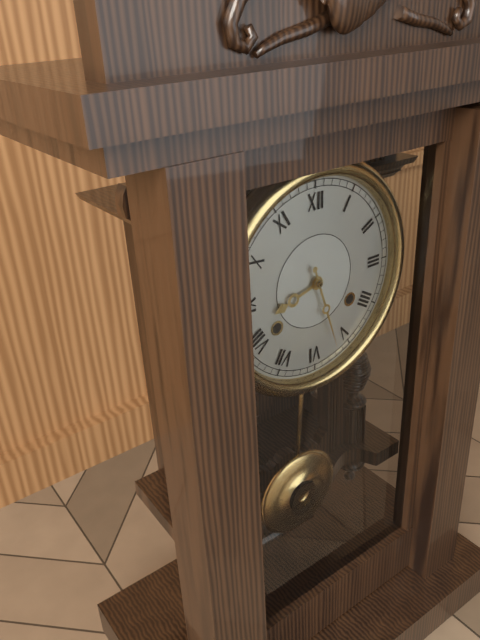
8 h 27 min
